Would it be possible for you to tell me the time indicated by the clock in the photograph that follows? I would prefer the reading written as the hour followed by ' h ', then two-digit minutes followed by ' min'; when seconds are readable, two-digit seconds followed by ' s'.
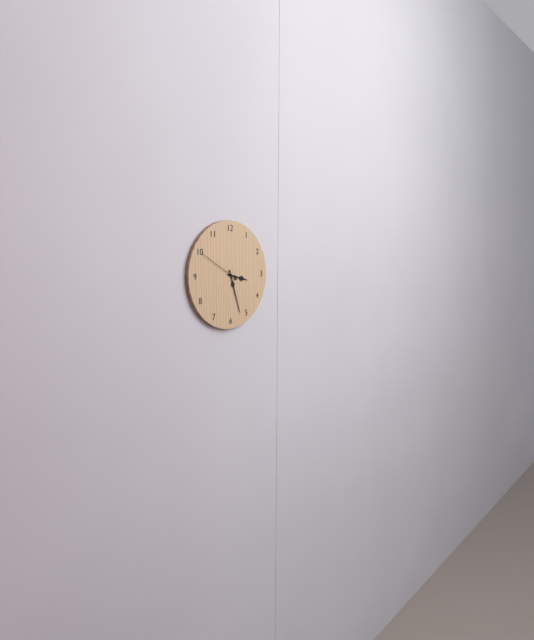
3 h 27 min
